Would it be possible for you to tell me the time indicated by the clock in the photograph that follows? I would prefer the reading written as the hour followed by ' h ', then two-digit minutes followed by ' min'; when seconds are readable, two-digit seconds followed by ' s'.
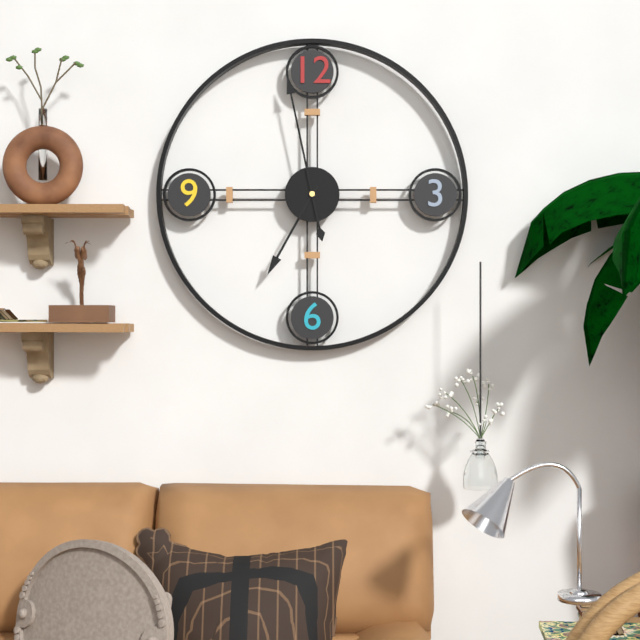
6 h 58 min
